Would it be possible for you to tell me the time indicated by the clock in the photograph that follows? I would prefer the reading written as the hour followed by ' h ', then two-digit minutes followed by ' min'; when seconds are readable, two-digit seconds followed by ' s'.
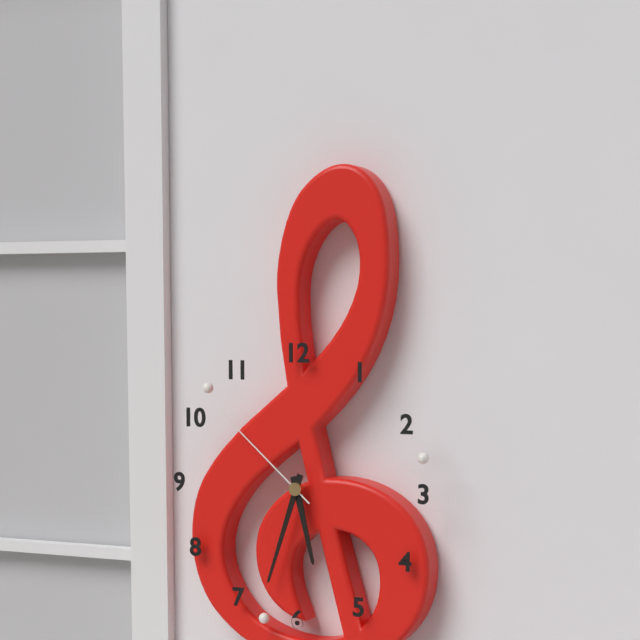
5 h 33 min 52 s
